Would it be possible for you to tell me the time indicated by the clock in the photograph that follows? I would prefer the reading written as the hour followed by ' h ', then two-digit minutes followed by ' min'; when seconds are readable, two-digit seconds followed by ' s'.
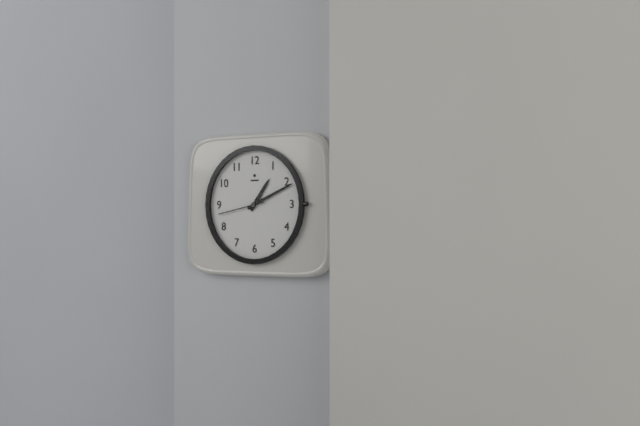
1 h 11 min
